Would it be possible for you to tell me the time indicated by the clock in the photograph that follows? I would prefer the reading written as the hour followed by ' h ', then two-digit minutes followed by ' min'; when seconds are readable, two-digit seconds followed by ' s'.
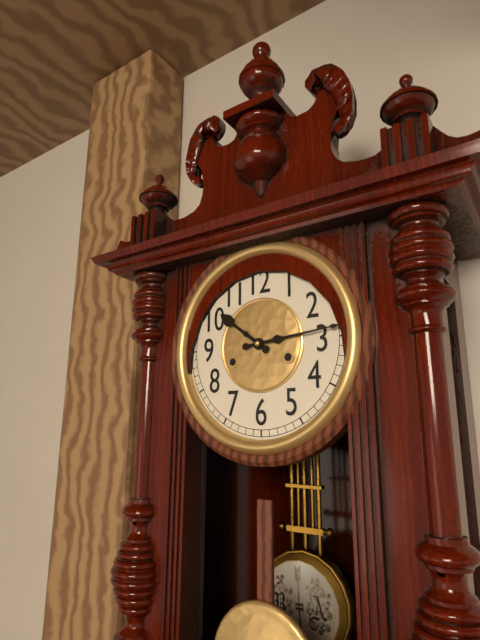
10 h 14 min
